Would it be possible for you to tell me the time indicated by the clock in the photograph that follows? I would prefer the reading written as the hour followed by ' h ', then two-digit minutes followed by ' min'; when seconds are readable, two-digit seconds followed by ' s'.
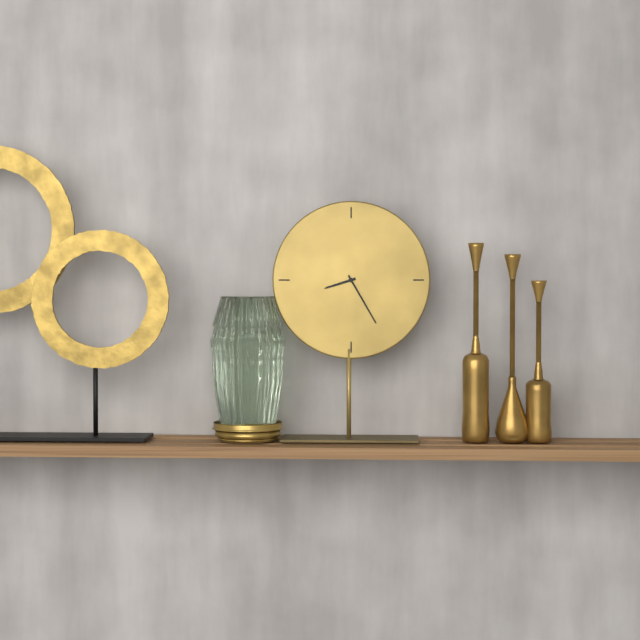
8 h 25 min
